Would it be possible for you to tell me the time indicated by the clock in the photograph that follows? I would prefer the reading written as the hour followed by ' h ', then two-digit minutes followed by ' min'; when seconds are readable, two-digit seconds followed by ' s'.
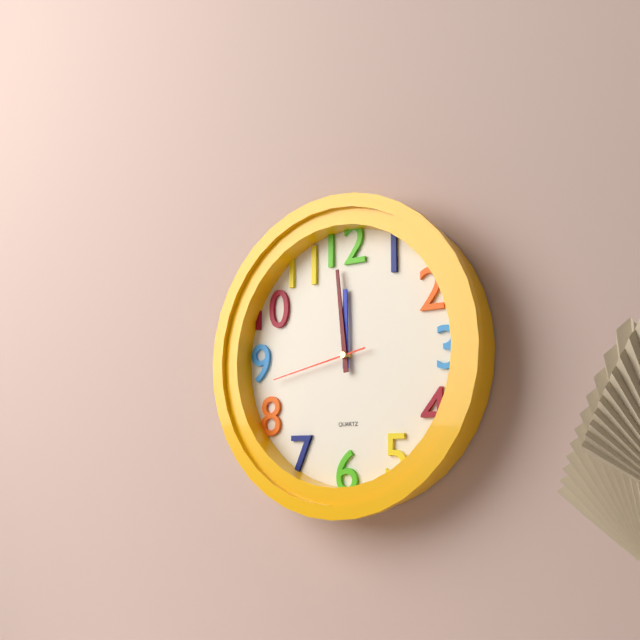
11 h 59 min 43 s
